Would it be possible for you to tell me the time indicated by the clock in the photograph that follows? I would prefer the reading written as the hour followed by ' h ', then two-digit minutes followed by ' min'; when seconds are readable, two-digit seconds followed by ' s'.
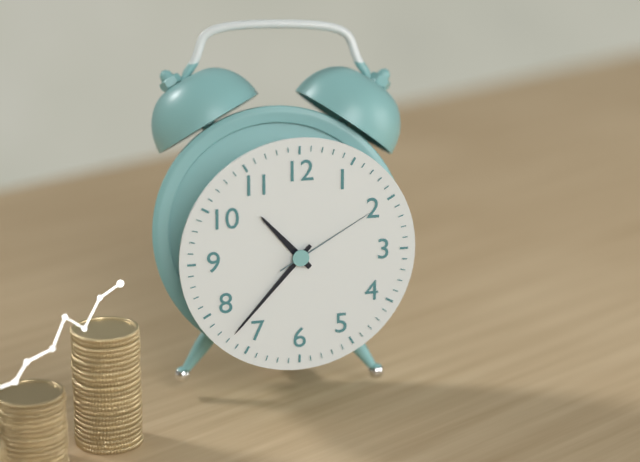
10 h 37 min 10 s
